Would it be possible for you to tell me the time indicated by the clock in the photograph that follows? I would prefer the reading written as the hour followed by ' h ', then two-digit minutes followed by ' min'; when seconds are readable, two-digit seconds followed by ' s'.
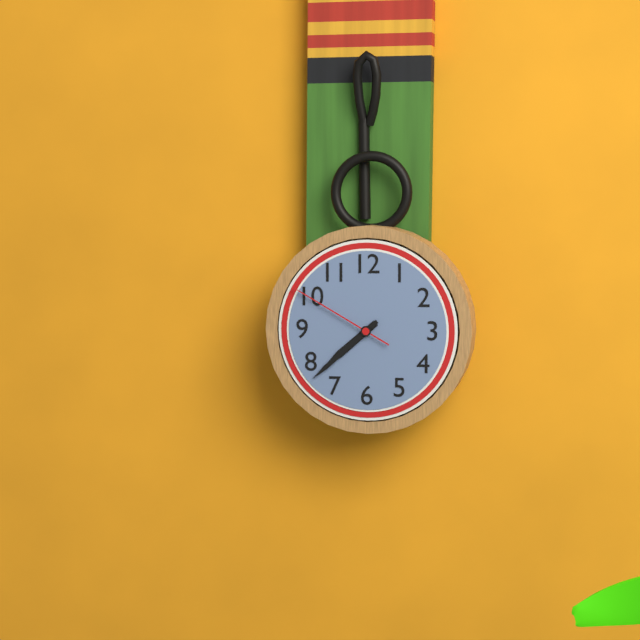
7 h 38 min 50 s
